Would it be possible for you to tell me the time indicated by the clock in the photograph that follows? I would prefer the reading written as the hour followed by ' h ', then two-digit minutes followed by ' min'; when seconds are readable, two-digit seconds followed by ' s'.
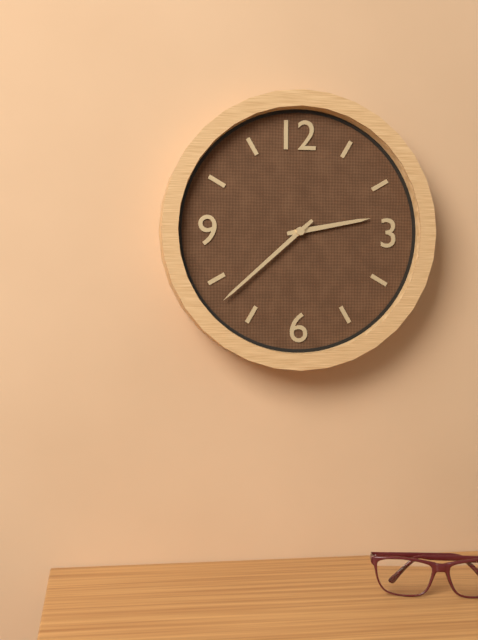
2 h 38 min
